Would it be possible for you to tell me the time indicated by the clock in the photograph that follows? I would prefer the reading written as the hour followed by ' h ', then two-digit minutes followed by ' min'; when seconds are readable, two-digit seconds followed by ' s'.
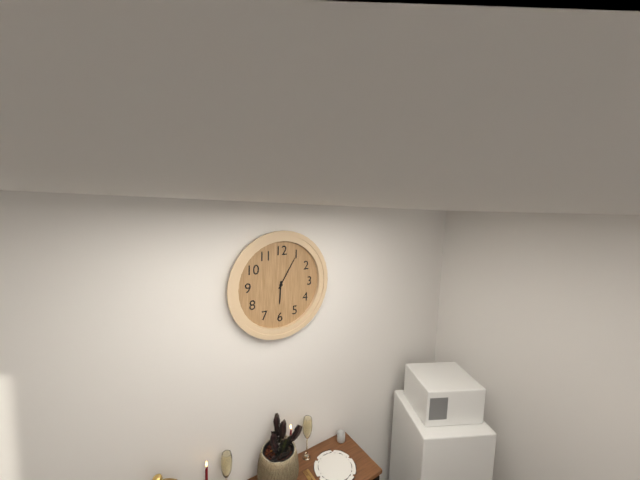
6 h 05 min
